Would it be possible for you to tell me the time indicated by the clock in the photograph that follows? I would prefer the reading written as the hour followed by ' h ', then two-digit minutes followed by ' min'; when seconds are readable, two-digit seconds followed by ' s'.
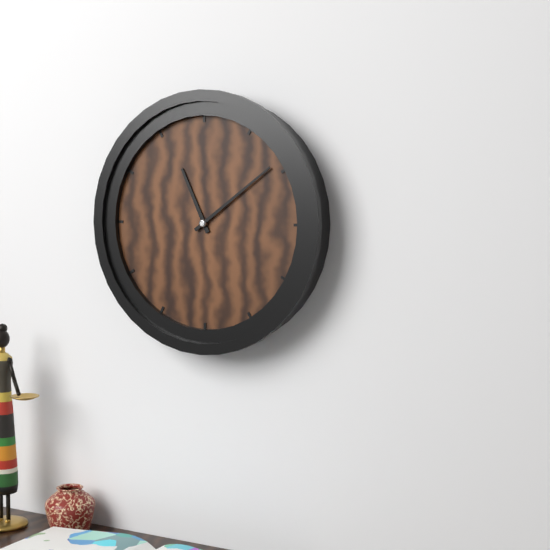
11 h 09 min
